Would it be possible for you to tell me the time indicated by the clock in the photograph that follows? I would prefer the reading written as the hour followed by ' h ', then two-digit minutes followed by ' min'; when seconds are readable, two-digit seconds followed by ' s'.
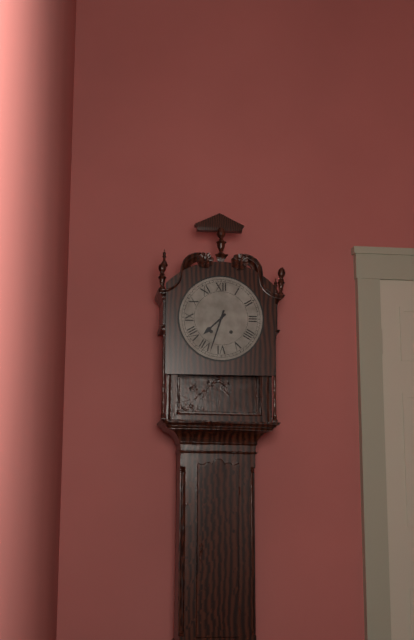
7 h 33 min
